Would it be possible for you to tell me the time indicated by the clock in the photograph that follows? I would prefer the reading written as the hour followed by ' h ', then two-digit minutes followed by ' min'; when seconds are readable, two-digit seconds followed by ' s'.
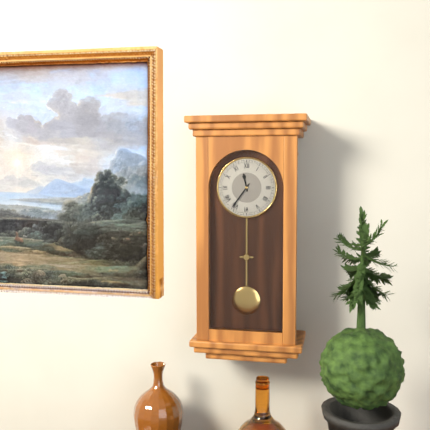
11 h 36 min
